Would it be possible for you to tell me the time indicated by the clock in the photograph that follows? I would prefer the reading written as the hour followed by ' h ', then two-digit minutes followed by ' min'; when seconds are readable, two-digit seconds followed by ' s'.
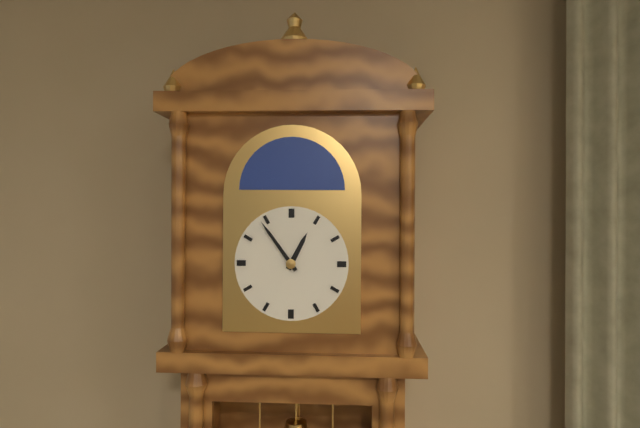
12 h 54 min
